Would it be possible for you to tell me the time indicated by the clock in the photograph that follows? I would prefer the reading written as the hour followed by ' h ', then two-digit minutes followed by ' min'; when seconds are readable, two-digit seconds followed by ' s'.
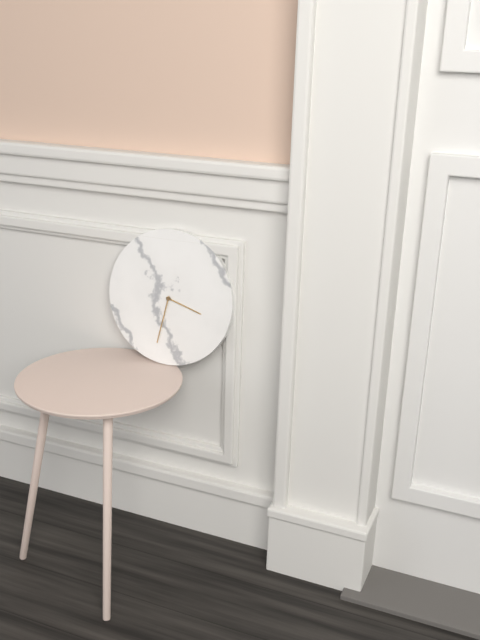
3 h 32 min
